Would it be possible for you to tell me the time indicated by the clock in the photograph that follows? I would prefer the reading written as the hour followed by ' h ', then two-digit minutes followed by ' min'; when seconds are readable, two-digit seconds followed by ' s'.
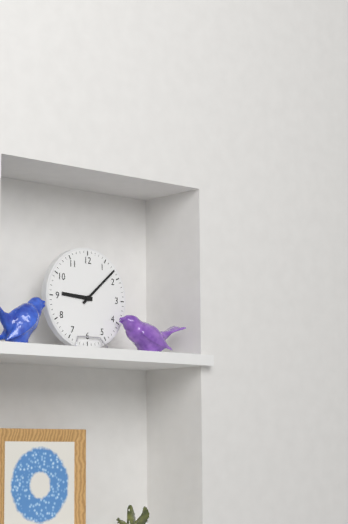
9 h 08 min
